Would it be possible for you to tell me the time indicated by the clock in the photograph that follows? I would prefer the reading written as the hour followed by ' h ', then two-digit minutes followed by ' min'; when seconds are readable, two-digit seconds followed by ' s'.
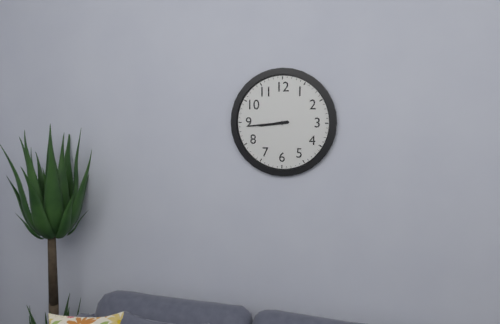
8 h 44 min
